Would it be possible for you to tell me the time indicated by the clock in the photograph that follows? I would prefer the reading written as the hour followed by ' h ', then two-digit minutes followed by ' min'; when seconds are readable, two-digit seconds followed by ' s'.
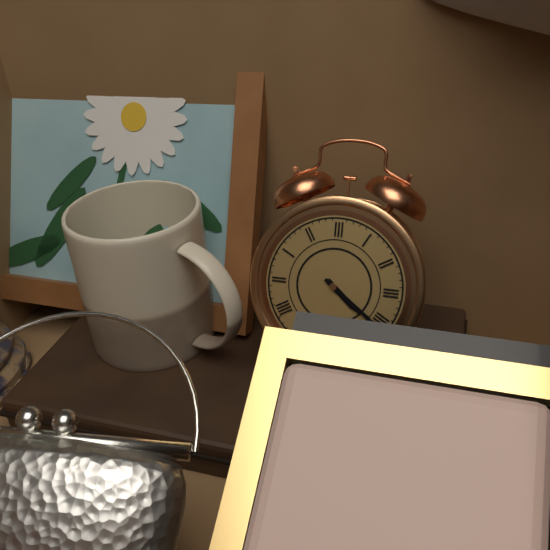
4 h 21 min
